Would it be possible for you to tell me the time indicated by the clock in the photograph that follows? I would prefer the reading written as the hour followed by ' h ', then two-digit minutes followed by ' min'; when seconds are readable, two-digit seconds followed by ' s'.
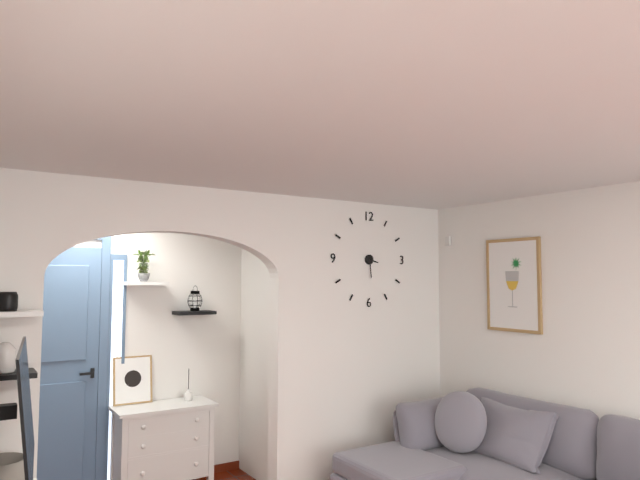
3 h 29 min
